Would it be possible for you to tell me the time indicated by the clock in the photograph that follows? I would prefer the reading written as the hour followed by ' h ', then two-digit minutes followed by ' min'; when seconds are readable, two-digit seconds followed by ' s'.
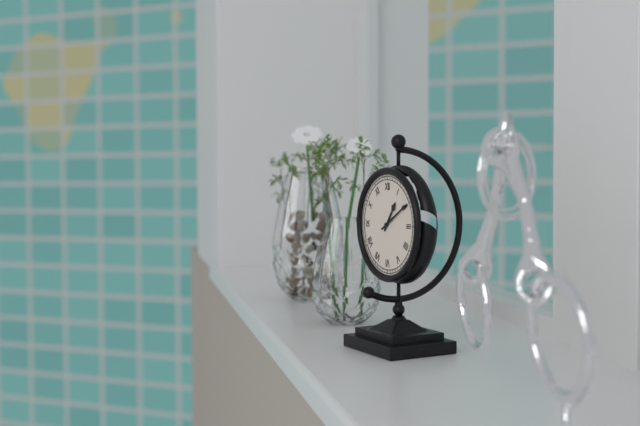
1 h 10 min
